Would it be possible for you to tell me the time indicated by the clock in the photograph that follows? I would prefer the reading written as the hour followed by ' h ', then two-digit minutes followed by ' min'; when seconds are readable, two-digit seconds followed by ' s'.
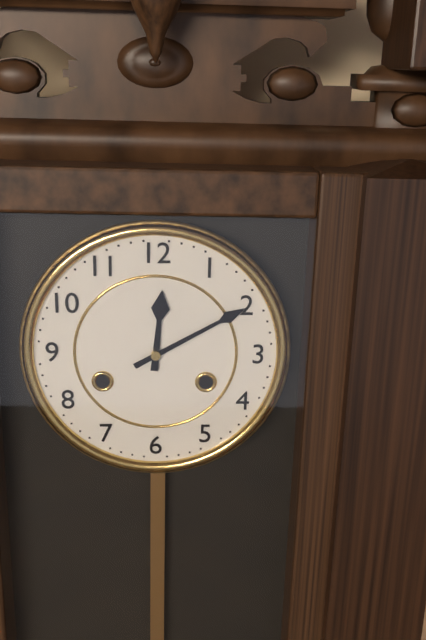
12 h 10 min
